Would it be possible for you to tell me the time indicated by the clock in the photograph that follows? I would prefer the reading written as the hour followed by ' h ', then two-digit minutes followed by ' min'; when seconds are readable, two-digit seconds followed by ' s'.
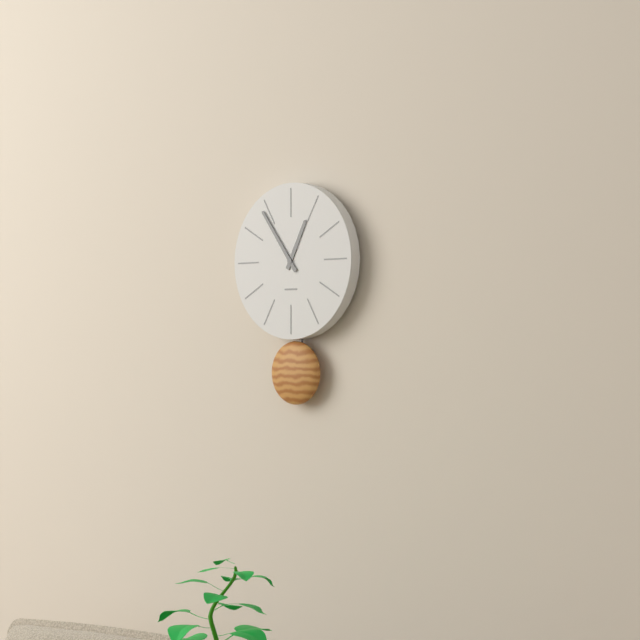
12 h 54 min
